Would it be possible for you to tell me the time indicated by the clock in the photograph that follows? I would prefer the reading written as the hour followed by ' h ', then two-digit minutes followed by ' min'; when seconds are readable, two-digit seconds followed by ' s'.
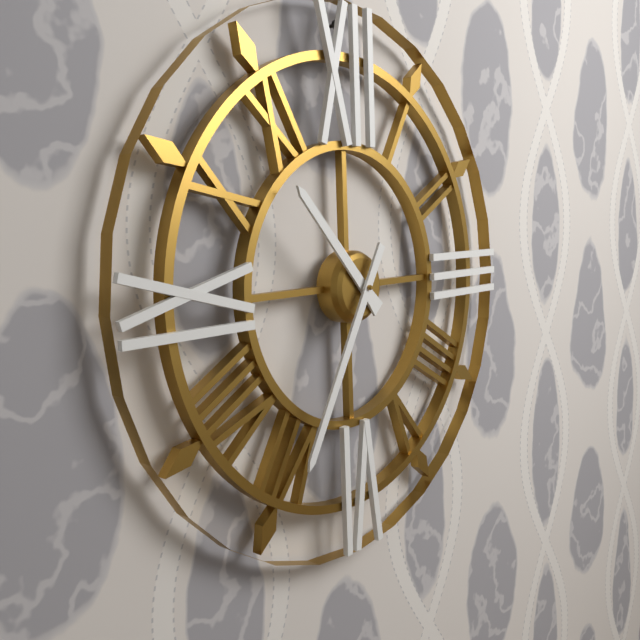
10 h 35 min
